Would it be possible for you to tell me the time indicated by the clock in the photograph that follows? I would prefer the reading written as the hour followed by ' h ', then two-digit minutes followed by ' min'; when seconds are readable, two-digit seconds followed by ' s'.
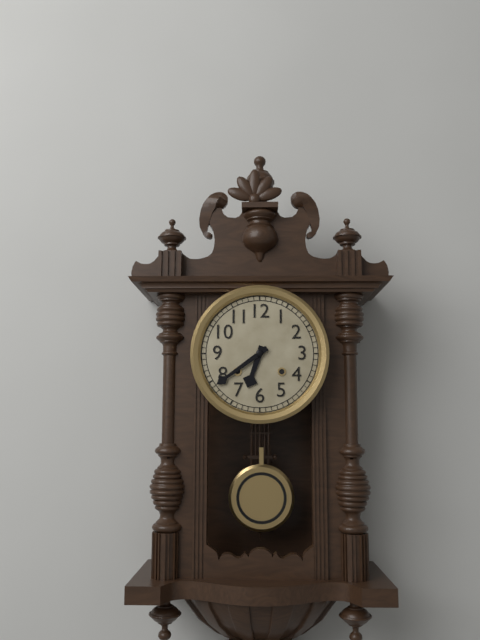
6 h 39 min
